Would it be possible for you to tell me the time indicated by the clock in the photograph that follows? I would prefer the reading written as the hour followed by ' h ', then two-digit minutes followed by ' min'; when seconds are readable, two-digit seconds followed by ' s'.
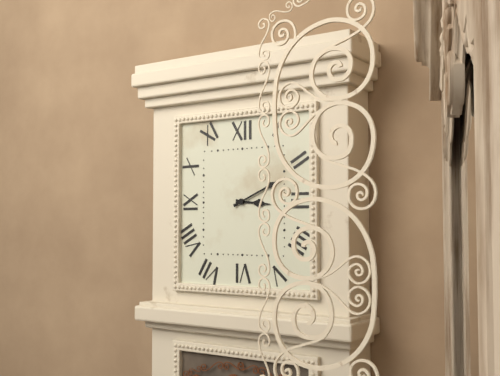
3 h 11 min
